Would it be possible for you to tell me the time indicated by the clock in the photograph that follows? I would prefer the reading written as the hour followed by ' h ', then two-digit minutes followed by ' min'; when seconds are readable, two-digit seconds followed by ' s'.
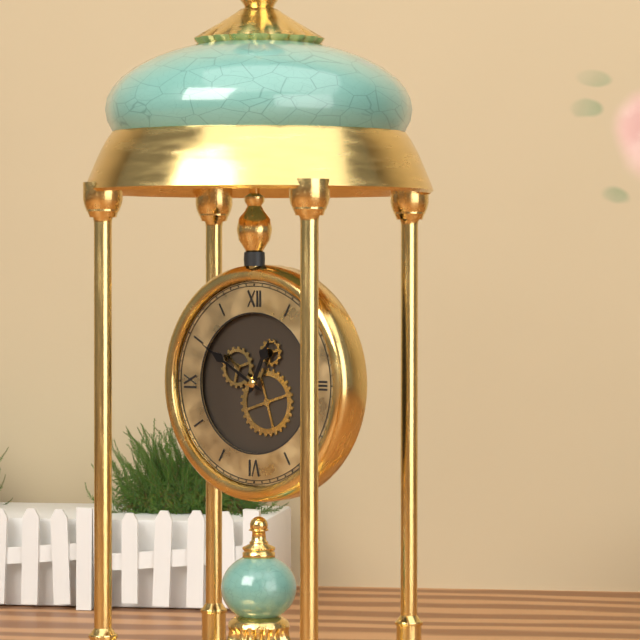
12 h 50 min
